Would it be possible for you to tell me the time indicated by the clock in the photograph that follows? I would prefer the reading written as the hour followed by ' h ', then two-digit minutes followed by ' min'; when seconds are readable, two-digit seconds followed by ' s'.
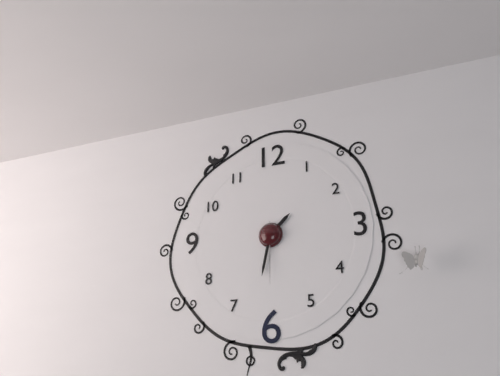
1 h 32 min 30 s
